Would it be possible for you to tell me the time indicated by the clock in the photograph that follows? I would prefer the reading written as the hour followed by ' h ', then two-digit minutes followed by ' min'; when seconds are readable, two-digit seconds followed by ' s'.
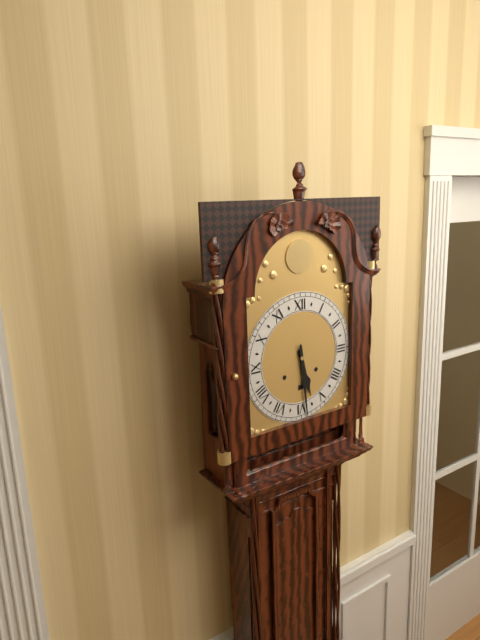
5 h 29 min
